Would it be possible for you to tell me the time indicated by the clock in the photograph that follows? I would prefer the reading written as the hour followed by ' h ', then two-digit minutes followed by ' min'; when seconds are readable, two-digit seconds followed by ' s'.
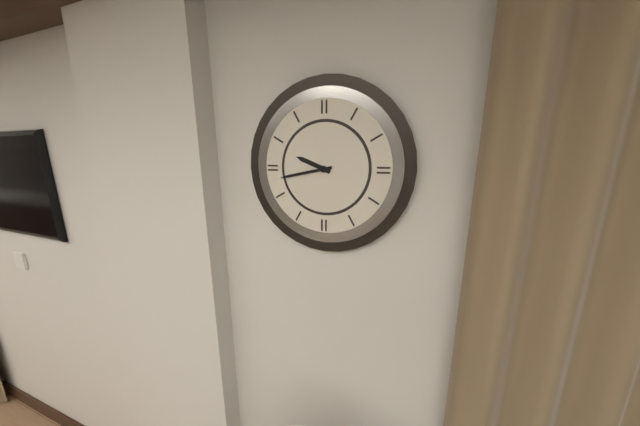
9 h 43 min
